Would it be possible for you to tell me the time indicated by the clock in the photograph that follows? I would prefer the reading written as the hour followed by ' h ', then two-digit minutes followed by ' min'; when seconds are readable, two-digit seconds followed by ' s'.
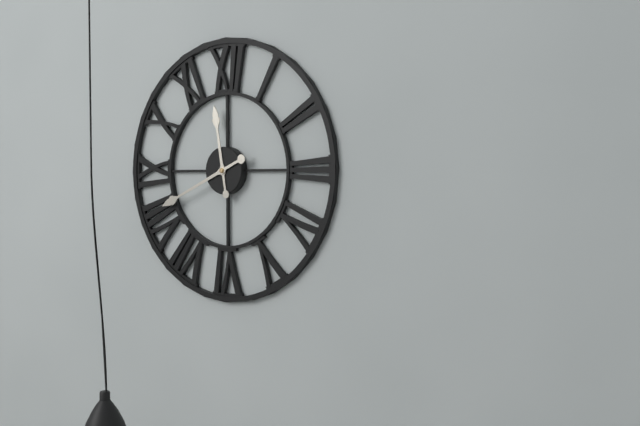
11 h 41 min
